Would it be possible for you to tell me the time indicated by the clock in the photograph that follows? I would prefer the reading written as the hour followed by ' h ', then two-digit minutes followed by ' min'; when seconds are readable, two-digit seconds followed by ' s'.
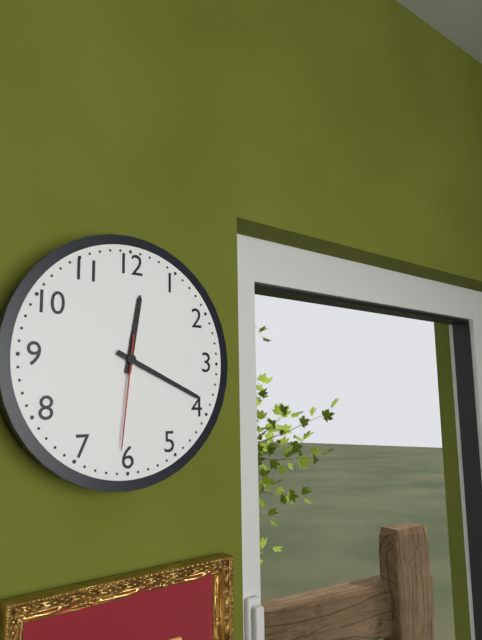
12 h 19 min 31 s
